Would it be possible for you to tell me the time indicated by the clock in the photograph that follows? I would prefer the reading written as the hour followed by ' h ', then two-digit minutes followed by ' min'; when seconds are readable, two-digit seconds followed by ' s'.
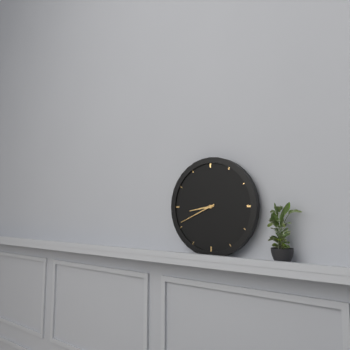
8 h 41 min
